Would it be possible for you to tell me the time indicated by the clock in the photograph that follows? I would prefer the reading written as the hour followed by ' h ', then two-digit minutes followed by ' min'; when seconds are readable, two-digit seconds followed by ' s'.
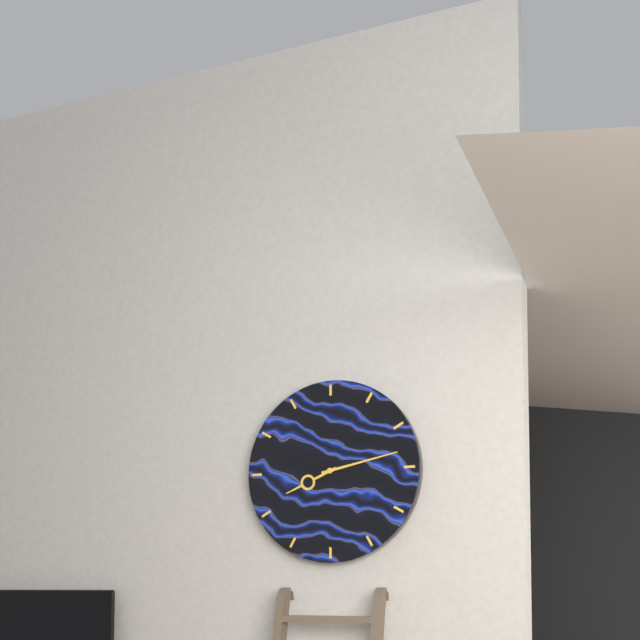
8 h 13 min
